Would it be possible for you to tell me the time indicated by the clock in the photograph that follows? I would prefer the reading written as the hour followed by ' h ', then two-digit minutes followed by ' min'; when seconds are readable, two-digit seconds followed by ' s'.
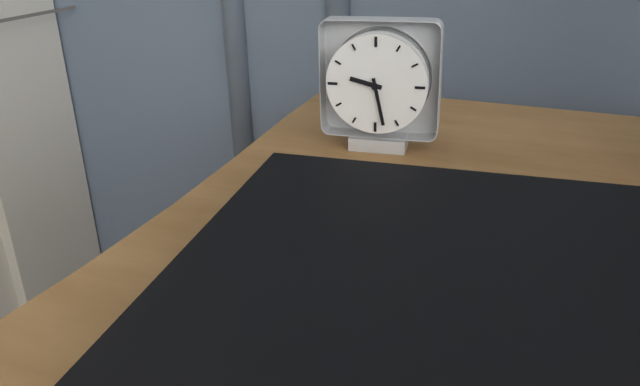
9 h 28 min
